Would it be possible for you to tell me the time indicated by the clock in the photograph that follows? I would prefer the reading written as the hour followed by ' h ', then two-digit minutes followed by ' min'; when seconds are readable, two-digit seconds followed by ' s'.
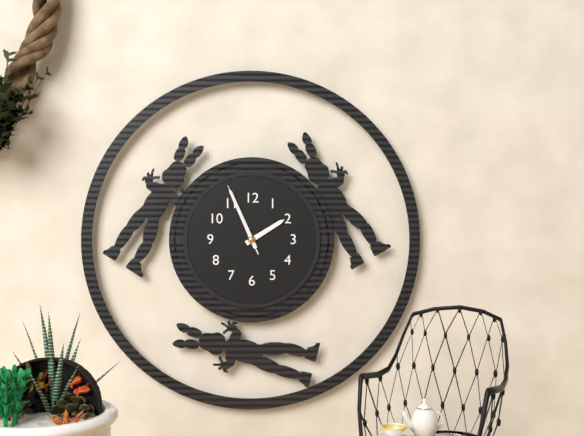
1 h 56 min 56 s
